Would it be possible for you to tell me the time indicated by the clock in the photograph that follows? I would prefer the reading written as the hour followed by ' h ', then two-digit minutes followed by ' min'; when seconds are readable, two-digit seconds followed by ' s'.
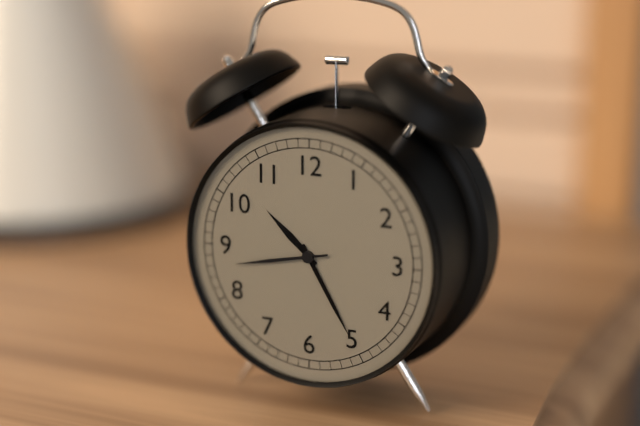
10 h 25 min 43 s
